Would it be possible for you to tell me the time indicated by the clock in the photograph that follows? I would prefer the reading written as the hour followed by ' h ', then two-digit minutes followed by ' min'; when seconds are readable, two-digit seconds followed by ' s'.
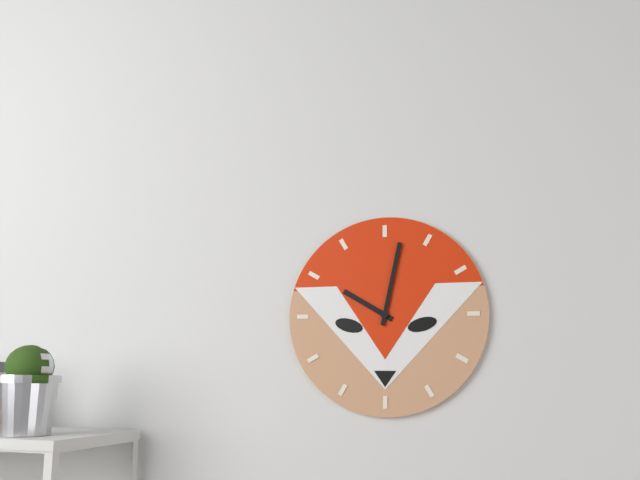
10 h 02 min
